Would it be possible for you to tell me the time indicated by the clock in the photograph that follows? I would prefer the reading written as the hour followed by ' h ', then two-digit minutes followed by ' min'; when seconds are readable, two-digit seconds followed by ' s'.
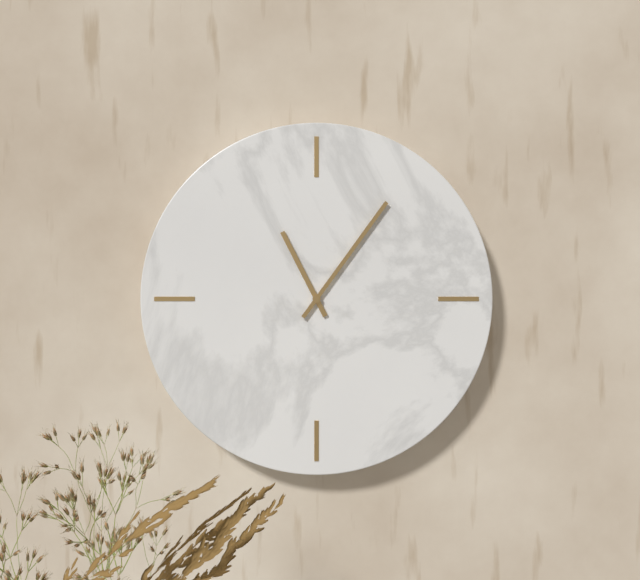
11 h 06 min
